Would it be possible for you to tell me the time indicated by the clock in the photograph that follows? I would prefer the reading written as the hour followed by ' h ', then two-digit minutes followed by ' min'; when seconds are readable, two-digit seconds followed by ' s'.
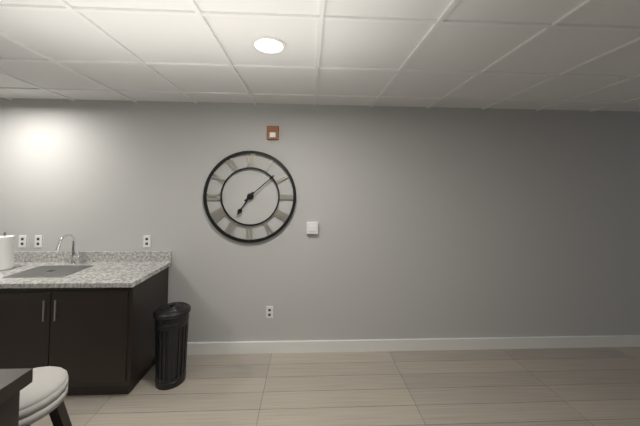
7 h 08 min
